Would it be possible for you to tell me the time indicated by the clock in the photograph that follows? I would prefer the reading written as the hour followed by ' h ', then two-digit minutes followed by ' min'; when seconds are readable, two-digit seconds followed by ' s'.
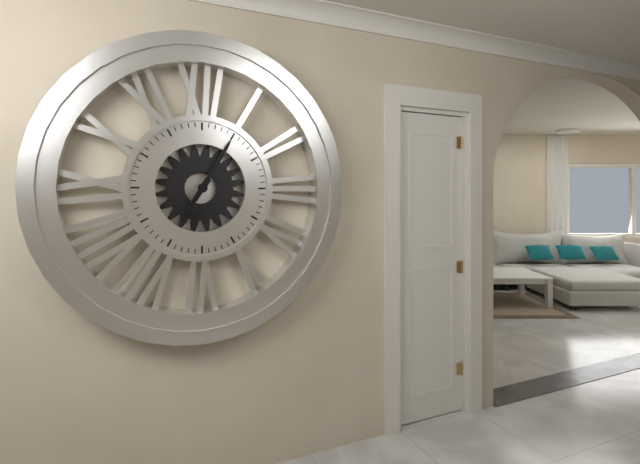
7 h 05 min
